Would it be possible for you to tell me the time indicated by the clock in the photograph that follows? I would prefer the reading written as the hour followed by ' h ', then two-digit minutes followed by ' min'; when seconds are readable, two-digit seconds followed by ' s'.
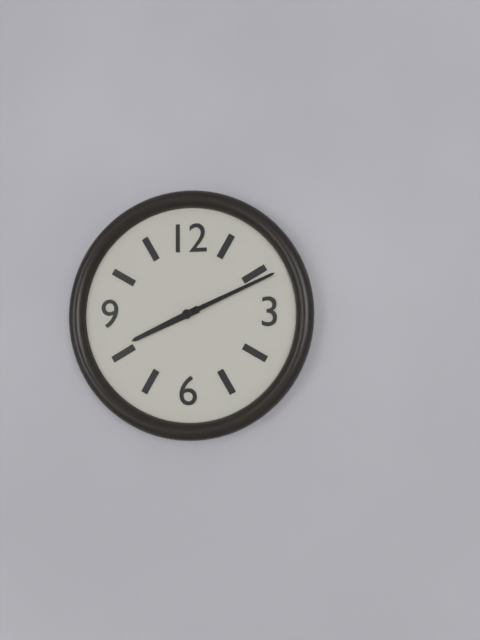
8 h 11 min
